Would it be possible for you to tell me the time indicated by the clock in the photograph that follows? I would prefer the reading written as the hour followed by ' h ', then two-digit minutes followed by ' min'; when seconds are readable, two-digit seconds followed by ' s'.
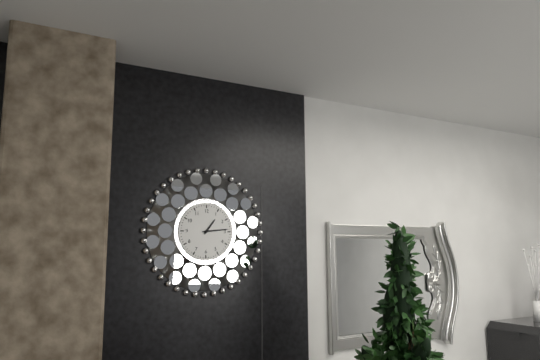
1 h 14 min
